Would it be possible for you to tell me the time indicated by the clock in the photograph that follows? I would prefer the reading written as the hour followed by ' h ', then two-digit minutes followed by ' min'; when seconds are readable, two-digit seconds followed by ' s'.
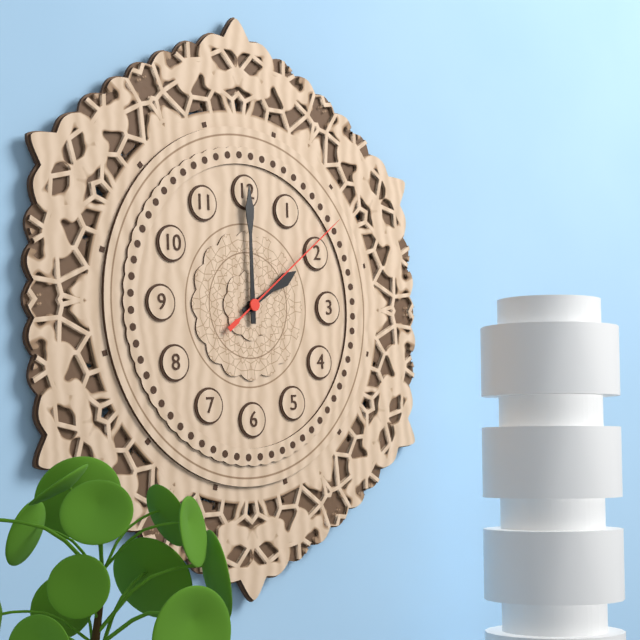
2 h 00 min 09 s
